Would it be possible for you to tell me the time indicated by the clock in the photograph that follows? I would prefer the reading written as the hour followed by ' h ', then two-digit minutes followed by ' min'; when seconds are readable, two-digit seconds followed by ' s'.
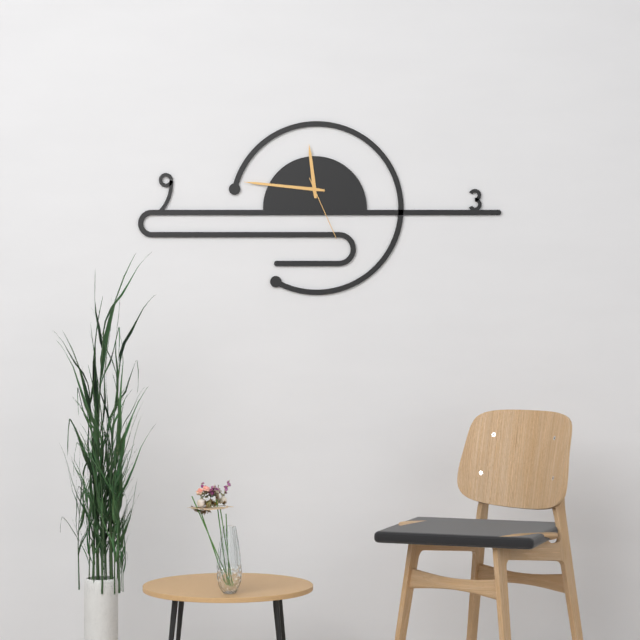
11 h 46 min 26 s
